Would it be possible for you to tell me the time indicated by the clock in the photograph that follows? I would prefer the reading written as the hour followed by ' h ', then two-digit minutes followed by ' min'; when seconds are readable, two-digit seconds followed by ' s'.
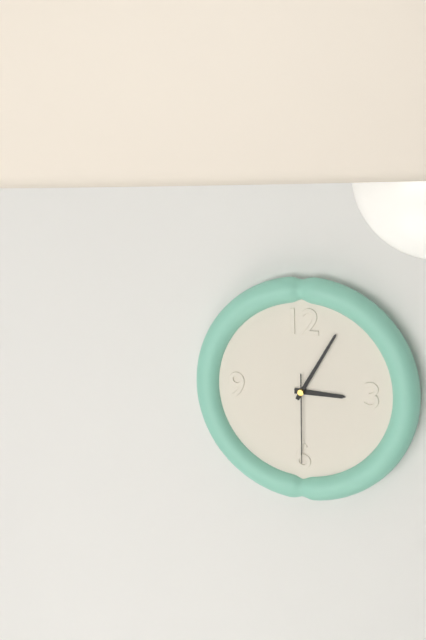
3 h 05 min 30 s
